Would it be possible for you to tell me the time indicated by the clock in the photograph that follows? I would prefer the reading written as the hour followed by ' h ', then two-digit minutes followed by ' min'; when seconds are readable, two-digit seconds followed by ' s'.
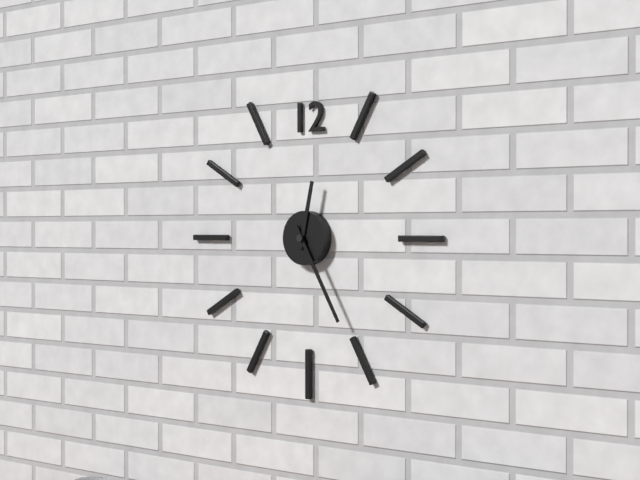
12 h 25 min
